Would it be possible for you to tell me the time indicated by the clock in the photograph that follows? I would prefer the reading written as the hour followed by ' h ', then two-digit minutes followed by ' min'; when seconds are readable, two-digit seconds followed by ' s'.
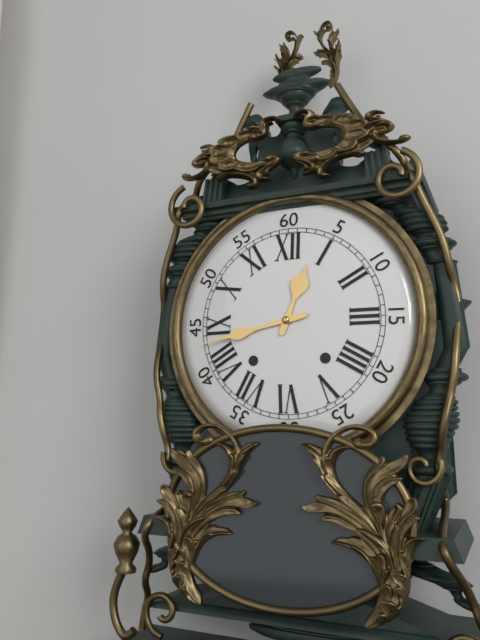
12 h 43 min
